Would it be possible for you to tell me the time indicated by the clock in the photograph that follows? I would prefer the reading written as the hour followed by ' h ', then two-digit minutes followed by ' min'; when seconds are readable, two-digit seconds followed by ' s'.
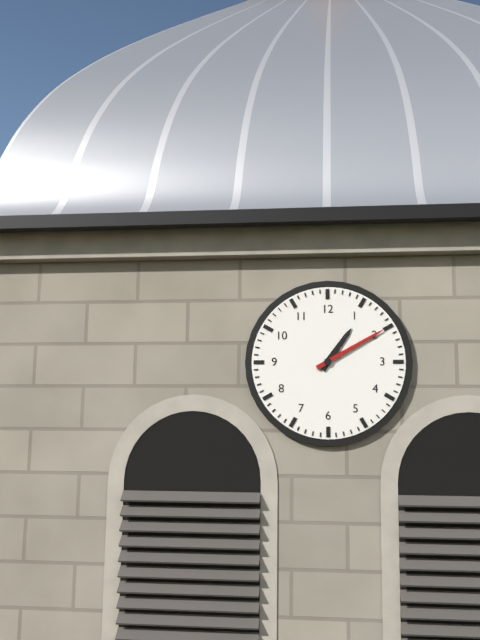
1 h 10 min
